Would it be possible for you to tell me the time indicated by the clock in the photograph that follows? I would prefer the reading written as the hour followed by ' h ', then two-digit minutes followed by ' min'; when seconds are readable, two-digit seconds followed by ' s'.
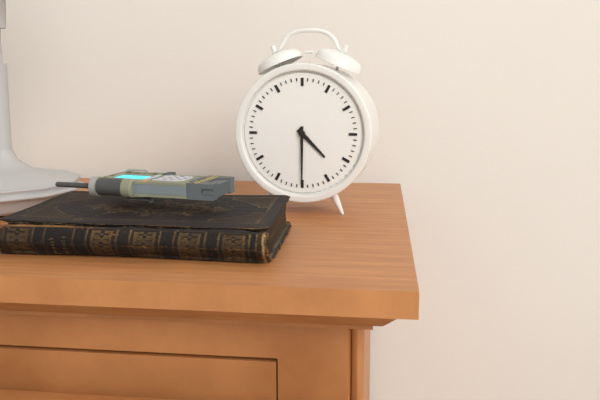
4 h 30 min
